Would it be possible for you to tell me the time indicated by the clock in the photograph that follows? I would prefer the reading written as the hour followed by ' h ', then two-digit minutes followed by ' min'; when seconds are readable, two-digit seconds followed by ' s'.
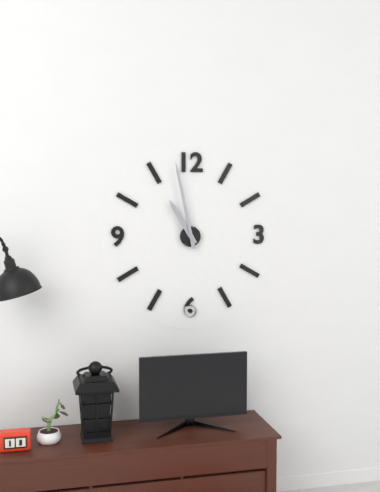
10 h 58 min
